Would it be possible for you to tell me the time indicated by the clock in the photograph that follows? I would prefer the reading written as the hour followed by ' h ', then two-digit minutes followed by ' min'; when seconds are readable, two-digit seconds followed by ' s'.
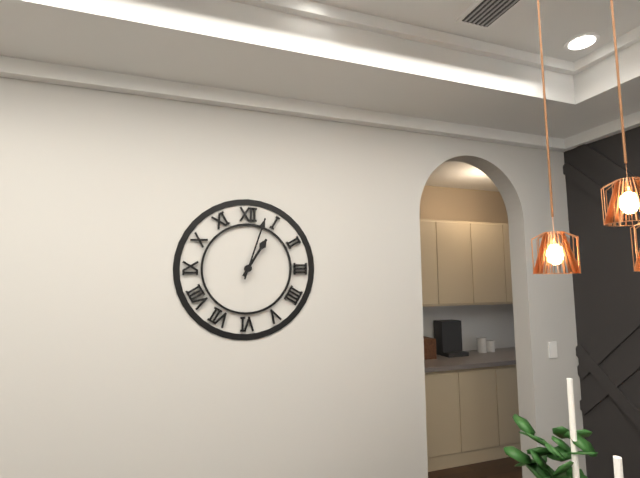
1 h 03 min
